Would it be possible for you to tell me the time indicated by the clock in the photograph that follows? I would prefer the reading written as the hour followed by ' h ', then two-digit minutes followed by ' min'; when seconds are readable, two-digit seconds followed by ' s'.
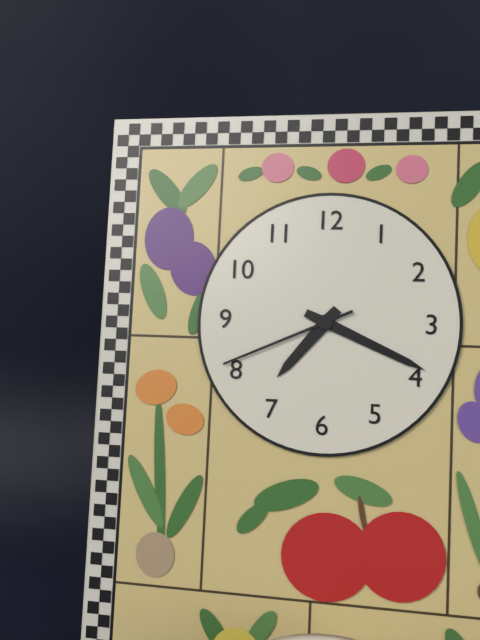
7 h 19 min 41 s
